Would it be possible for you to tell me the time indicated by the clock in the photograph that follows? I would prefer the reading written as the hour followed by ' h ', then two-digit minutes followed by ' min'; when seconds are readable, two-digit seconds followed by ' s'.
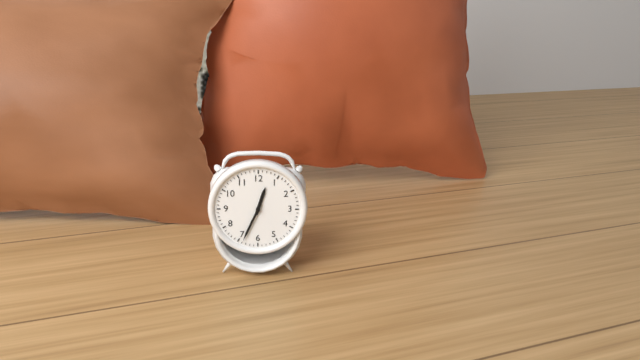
12 h 34 min
